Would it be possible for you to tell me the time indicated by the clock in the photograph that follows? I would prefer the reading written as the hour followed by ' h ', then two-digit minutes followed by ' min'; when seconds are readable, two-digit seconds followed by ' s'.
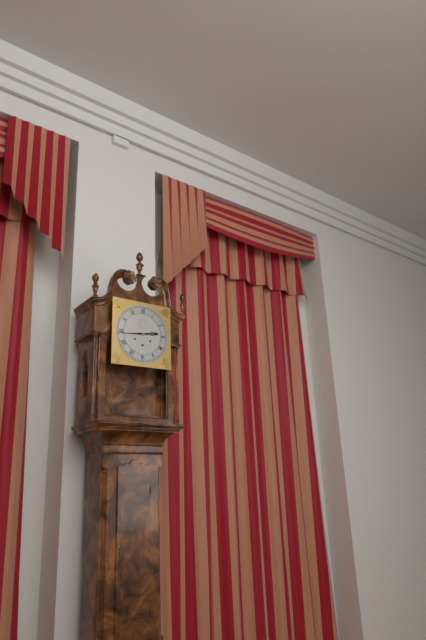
2 h 44 min
